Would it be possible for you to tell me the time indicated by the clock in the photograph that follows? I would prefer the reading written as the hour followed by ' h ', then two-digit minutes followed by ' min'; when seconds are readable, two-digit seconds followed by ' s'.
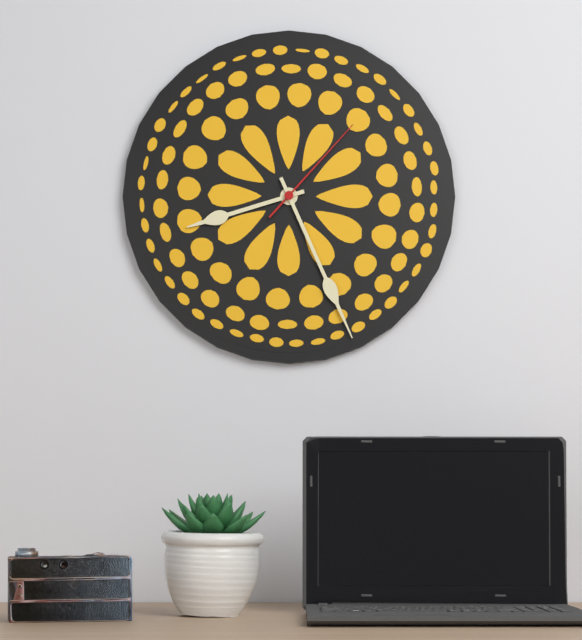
8 h 26 min 07 s
